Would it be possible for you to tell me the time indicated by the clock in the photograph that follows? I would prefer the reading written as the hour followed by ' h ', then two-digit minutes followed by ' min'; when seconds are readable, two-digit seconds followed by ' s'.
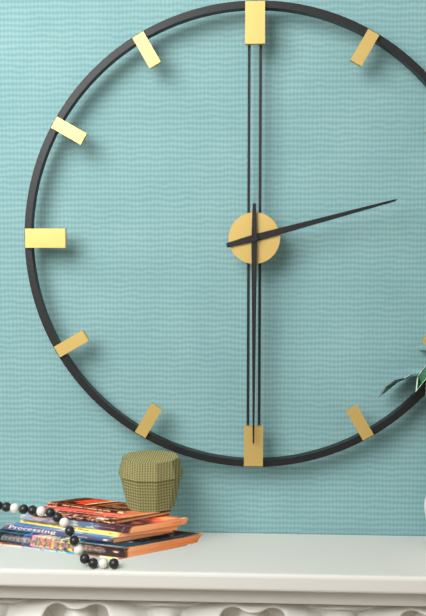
2 h 30 min
